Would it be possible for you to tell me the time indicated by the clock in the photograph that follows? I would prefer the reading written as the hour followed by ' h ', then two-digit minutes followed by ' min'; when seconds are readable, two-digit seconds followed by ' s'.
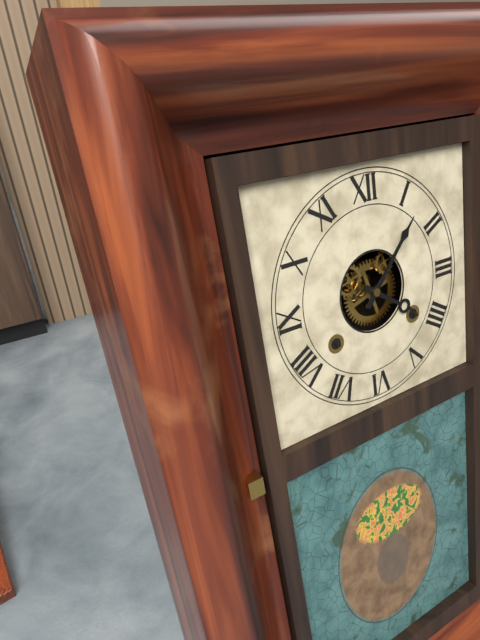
4 h 07 min
